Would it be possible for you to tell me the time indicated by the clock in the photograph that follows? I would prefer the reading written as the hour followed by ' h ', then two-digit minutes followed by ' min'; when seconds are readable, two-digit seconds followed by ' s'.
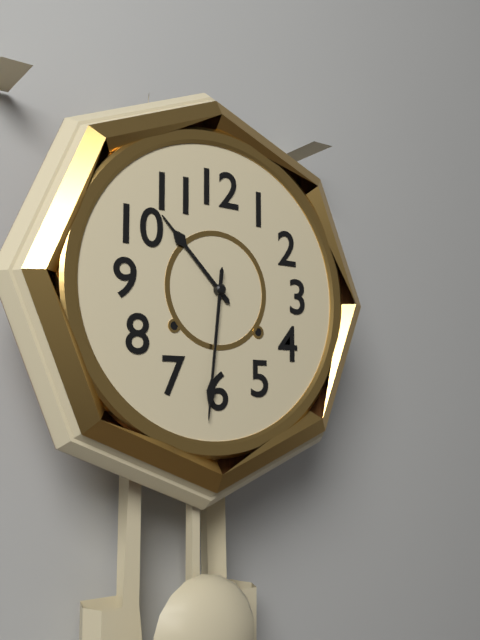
10 h 31 min
